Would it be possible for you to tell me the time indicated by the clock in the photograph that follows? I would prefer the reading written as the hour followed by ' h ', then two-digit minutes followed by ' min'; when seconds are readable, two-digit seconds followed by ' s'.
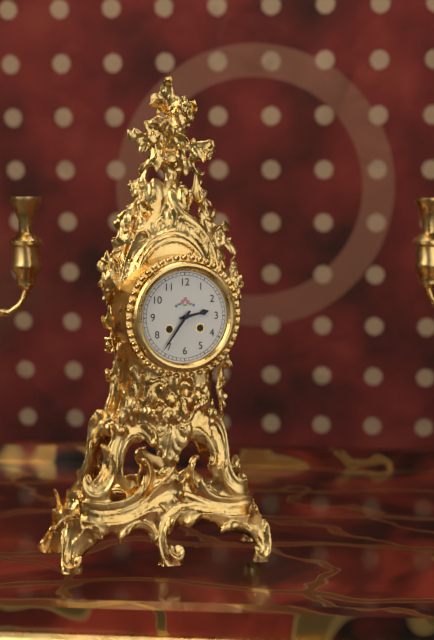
2 h 36 min
